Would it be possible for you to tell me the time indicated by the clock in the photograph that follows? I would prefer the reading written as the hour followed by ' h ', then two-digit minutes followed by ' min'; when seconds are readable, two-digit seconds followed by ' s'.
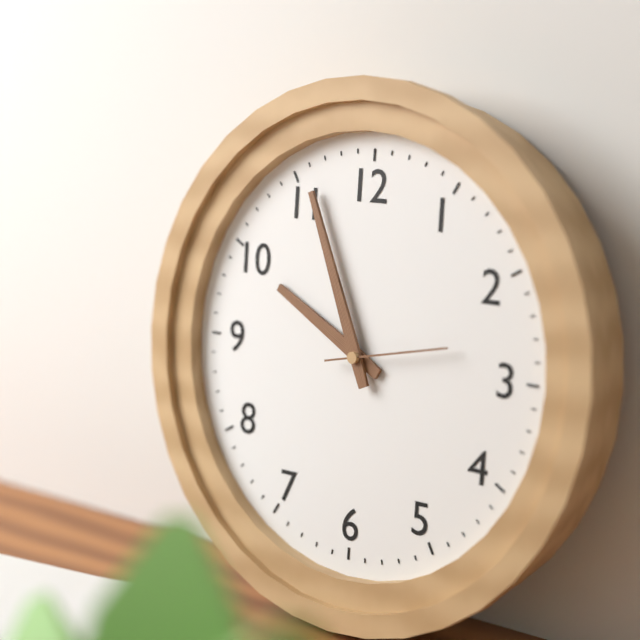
9 h 56 min 13 s
